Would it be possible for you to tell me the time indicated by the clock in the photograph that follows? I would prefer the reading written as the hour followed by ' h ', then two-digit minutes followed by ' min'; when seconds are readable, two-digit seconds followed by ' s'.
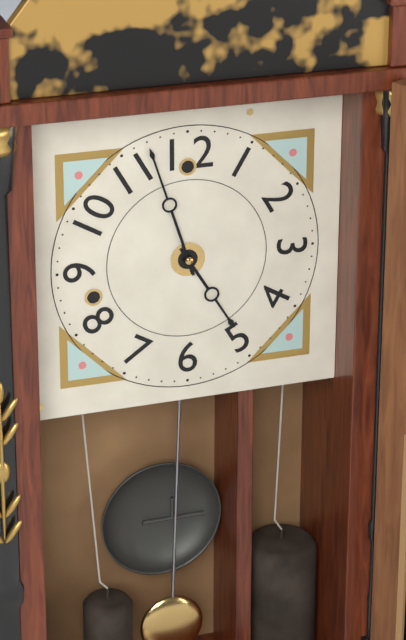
4 h 57 min
